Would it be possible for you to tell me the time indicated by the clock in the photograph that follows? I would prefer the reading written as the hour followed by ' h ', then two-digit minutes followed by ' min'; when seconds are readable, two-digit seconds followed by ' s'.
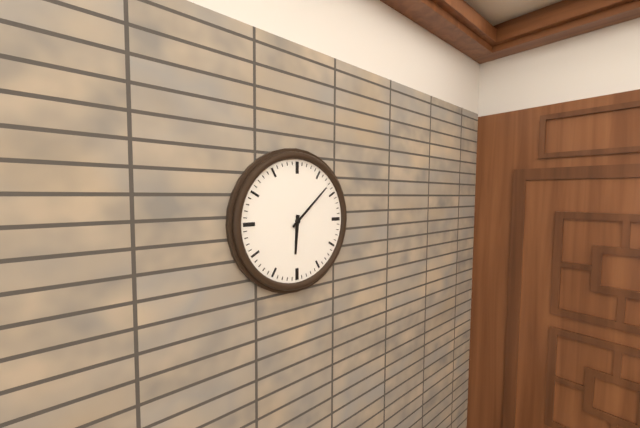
6 h 08 min
